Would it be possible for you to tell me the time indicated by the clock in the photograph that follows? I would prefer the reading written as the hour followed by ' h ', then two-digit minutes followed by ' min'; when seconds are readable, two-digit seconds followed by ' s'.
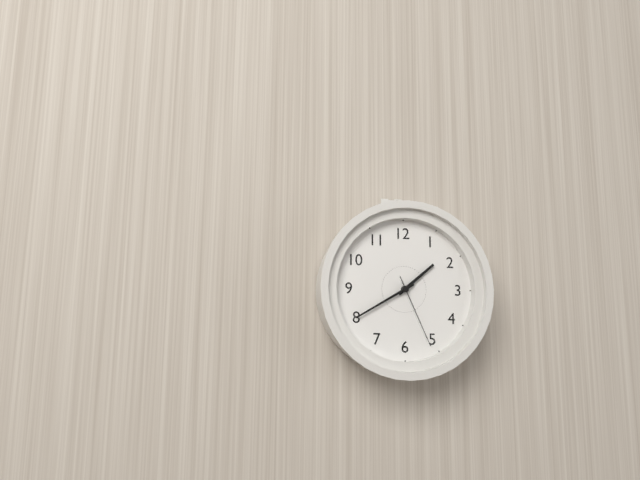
1 h 40 min 26 s
